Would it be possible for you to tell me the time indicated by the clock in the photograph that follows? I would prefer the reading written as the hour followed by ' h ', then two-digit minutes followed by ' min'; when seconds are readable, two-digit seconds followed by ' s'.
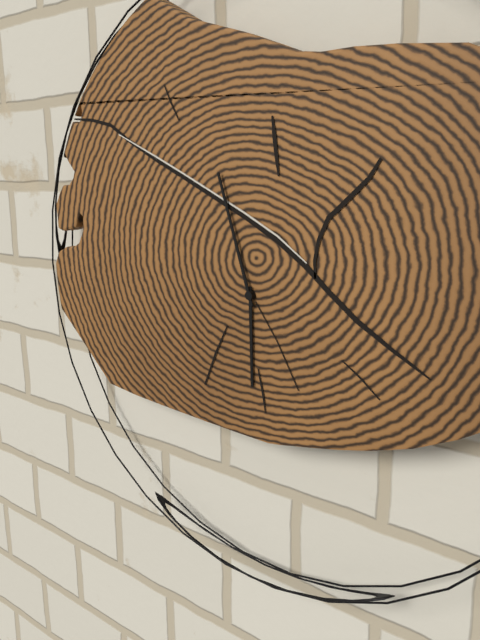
5 h 57 min
